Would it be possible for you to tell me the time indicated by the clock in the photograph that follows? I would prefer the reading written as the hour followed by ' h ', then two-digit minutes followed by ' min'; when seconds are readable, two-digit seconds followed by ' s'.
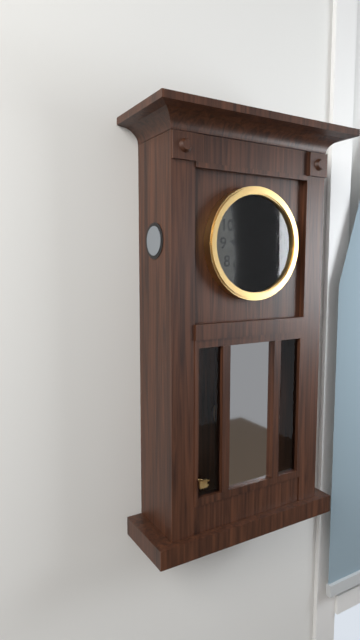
9 h 10 min
